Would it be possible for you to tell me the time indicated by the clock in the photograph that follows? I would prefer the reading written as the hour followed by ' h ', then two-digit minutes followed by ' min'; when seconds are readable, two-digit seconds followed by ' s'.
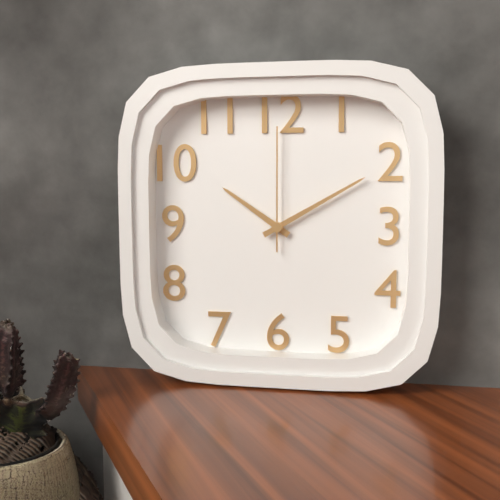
10 h 10 min 00 s
